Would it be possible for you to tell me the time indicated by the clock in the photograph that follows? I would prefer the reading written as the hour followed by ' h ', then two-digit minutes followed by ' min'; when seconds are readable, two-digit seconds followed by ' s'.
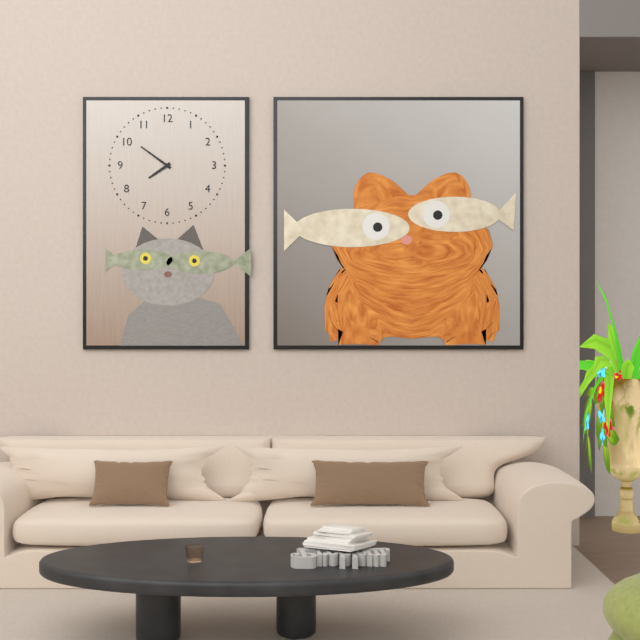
7 h 51 min
